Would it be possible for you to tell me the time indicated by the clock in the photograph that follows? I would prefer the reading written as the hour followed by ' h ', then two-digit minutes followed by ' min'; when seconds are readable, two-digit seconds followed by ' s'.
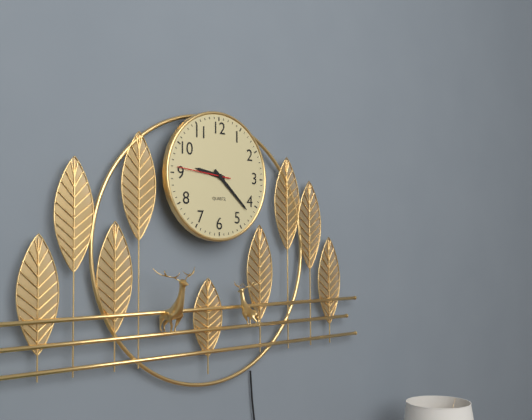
9 h 22 min 46 s
